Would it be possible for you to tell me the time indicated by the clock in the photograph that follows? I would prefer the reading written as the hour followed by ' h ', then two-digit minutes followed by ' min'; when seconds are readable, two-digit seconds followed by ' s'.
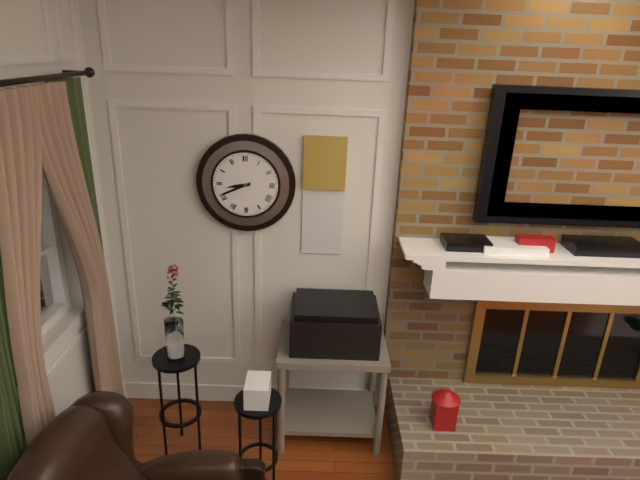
8 h 41 min
